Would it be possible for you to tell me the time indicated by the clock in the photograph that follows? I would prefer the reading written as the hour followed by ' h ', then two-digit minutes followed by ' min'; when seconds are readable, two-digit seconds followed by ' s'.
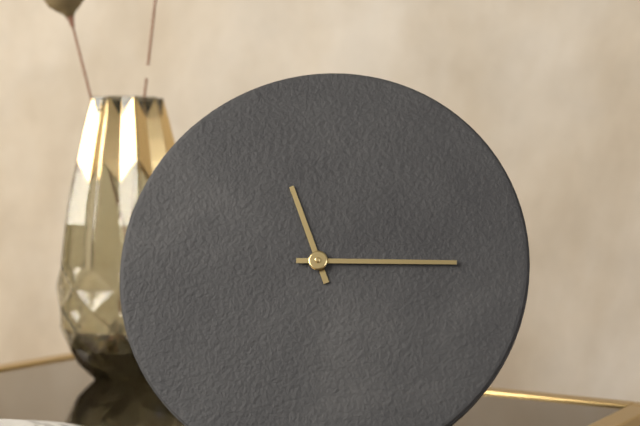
11 h 15 min
